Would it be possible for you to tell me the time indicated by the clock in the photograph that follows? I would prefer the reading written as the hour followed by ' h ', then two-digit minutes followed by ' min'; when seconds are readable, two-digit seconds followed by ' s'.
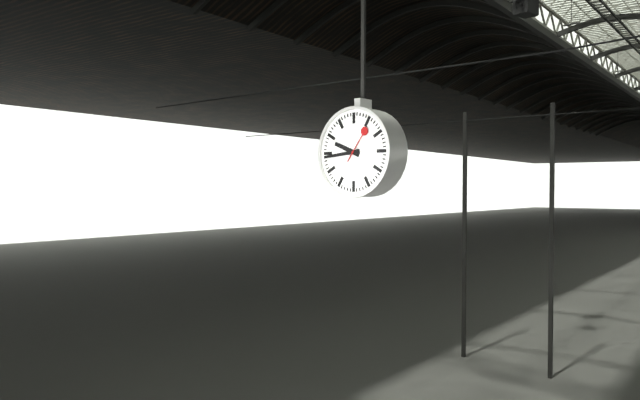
9 h 44 min
